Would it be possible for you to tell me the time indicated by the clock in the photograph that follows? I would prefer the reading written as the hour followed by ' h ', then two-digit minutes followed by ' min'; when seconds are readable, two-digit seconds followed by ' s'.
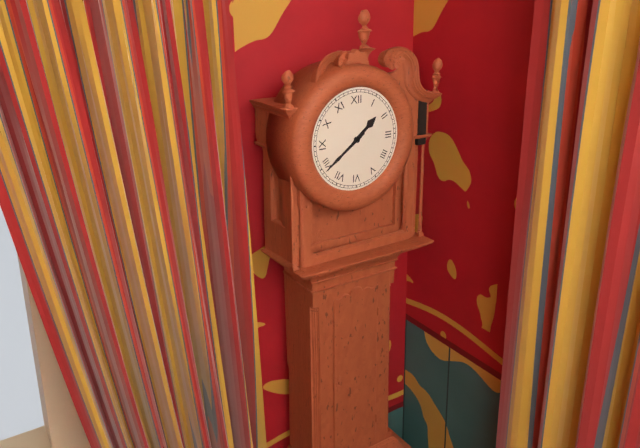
1 h 39 min
